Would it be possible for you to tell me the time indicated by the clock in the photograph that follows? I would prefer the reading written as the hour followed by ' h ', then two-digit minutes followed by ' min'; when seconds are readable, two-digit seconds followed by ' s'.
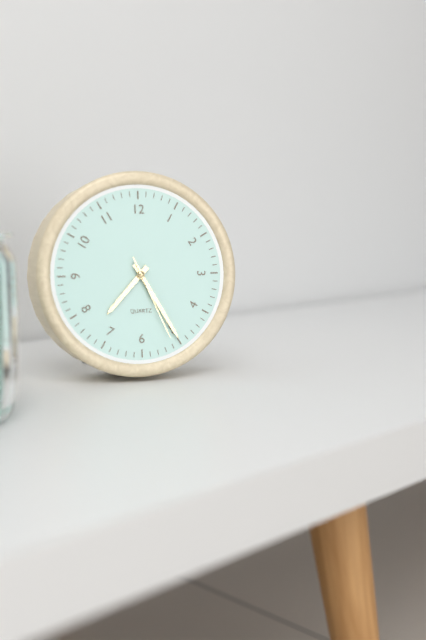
7 h 25 min 26 s
